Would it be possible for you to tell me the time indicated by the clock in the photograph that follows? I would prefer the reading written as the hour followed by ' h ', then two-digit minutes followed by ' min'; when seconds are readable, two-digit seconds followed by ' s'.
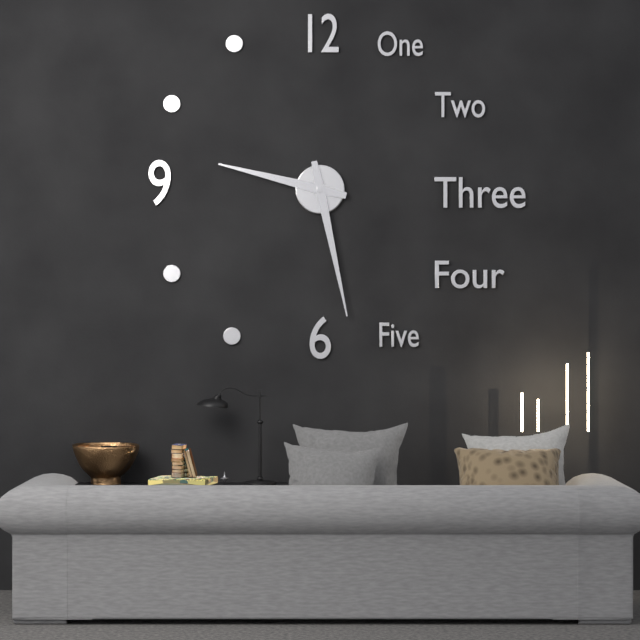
9 h 28 min
